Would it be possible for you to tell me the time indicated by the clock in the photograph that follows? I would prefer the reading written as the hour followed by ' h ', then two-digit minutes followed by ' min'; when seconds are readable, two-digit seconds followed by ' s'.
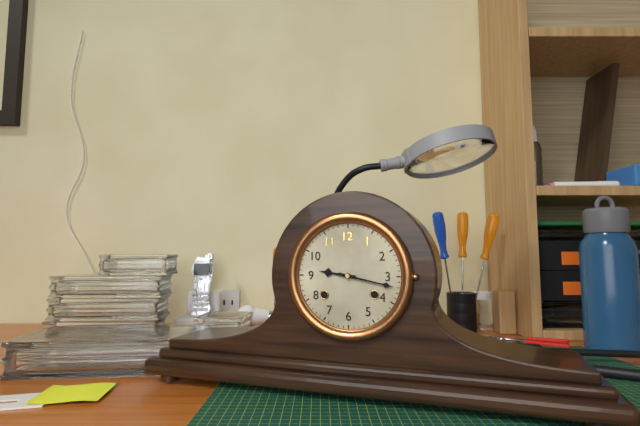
9 h 17 min
